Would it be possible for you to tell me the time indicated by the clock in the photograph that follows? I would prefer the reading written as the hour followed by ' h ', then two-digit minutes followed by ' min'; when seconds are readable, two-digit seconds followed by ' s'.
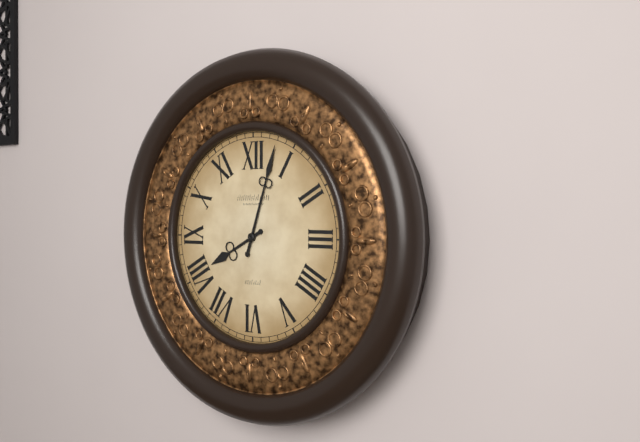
8 h 03 min
